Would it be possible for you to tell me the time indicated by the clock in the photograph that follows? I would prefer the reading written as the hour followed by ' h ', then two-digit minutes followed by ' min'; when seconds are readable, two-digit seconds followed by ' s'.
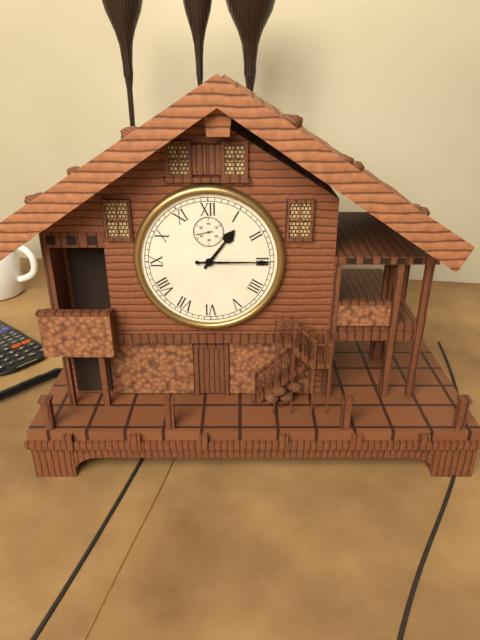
1 h 15 min
